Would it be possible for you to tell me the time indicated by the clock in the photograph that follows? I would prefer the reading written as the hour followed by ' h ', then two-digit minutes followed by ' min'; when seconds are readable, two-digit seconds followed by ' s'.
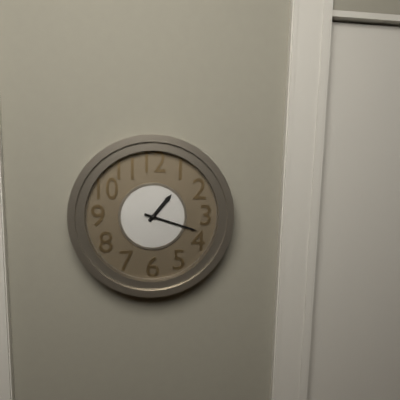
1 h 18 min
